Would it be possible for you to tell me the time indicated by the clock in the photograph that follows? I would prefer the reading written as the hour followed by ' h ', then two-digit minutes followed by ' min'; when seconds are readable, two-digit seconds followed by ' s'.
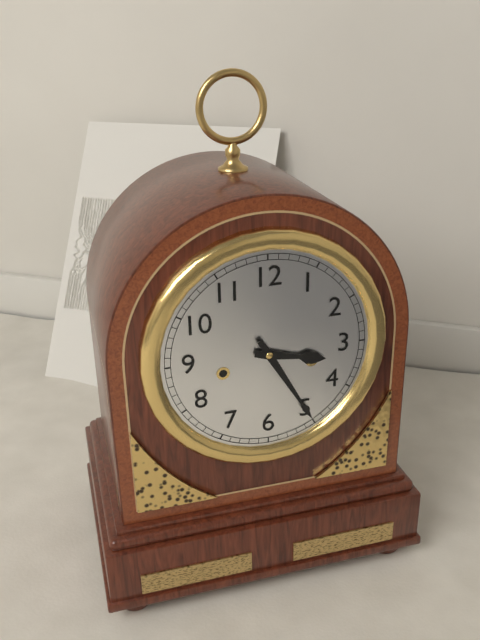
3 h 25 min
